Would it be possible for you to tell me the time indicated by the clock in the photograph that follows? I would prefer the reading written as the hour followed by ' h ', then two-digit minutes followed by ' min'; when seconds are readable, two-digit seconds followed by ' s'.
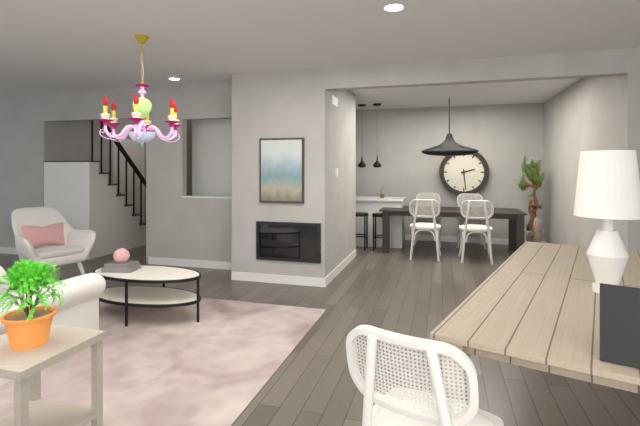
2 h 29 min
